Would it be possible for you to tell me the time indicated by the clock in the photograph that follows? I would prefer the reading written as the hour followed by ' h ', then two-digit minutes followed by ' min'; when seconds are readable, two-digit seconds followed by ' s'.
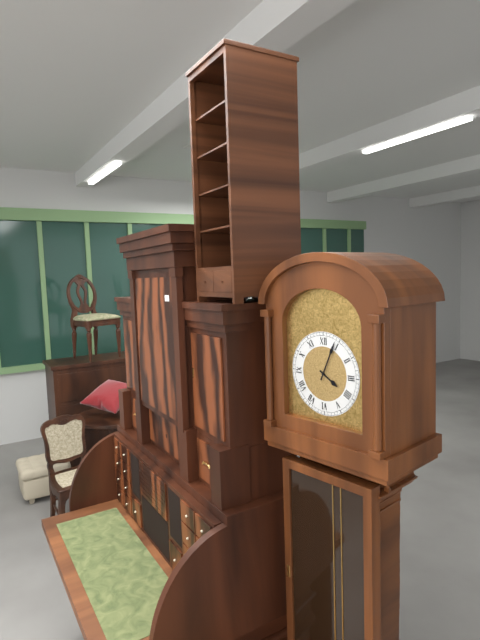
4 h 04 min
